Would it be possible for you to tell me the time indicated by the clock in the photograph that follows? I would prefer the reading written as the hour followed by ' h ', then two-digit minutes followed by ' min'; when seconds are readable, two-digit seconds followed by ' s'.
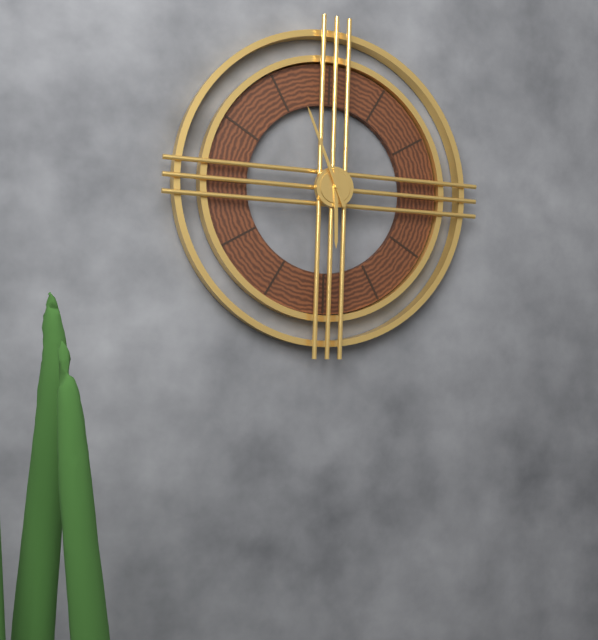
5 h 56 min
